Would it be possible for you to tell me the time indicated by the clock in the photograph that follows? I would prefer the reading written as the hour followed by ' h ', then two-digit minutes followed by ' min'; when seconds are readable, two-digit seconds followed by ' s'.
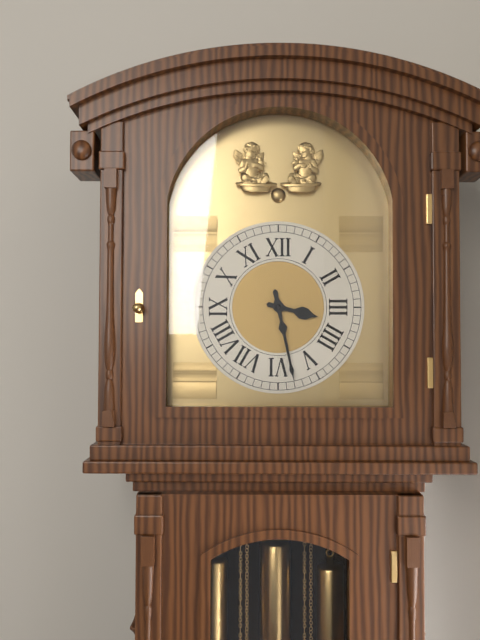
3 h 28 min
